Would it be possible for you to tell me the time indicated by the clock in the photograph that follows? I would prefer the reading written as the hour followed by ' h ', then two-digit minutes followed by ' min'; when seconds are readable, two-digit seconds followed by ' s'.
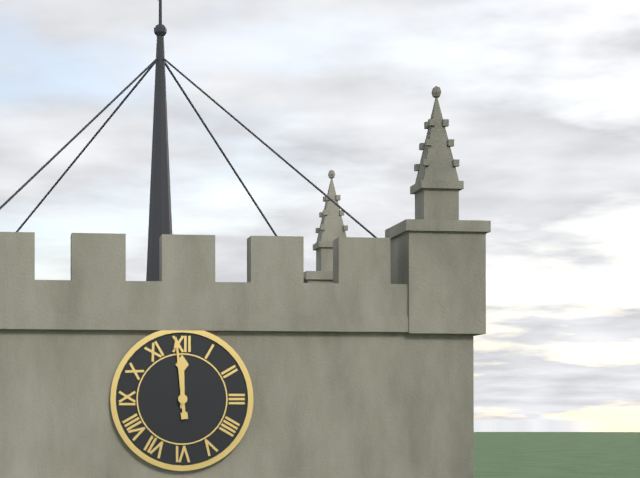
11 h 59 min
